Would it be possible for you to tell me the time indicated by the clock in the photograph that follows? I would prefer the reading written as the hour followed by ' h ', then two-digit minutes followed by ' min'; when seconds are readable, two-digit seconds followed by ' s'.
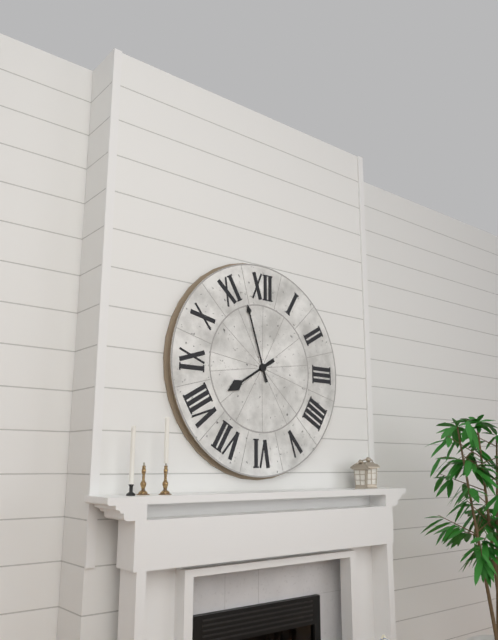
7 h 57 min
